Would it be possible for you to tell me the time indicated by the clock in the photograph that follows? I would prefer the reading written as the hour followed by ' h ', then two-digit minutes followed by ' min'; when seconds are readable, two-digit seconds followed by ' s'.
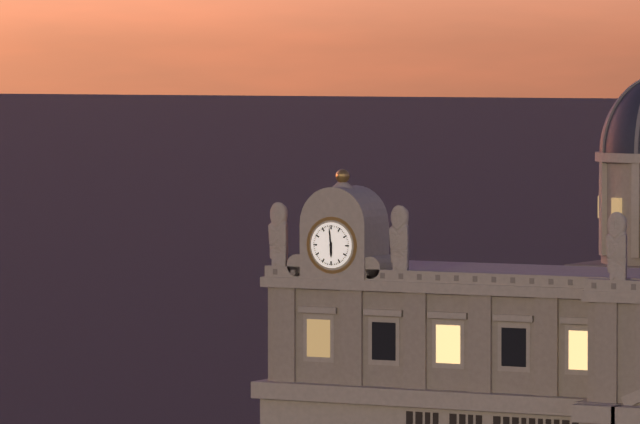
5 h 59 min
